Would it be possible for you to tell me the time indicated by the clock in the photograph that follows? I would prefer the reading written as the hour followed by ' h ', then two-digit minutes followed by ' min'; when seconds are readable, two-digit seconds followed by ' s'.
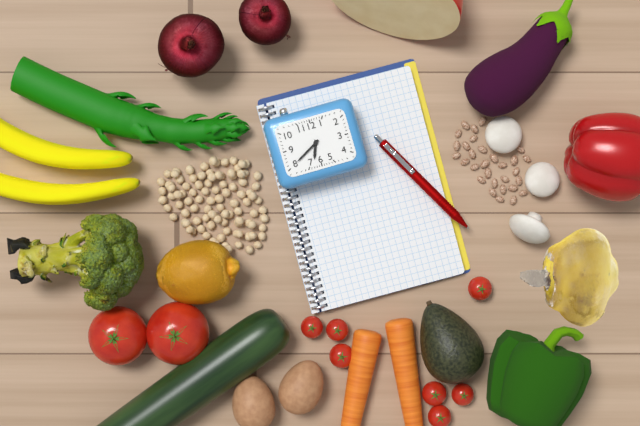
6 h 40 min
